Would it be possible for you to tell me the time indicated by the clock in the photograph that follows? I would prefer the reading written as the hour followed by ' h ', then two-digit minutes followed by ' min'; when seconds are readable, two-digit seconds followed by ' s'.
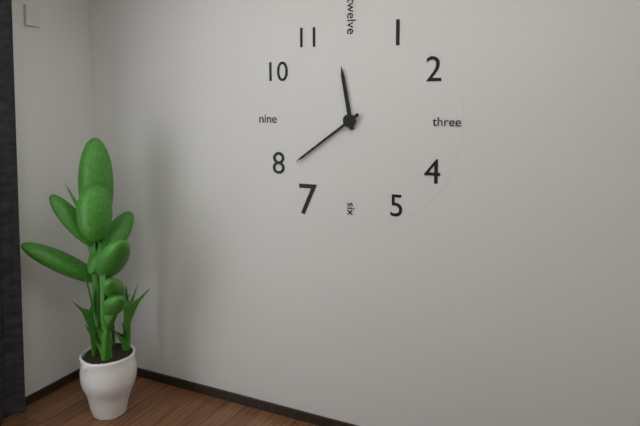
11 h 39 min
